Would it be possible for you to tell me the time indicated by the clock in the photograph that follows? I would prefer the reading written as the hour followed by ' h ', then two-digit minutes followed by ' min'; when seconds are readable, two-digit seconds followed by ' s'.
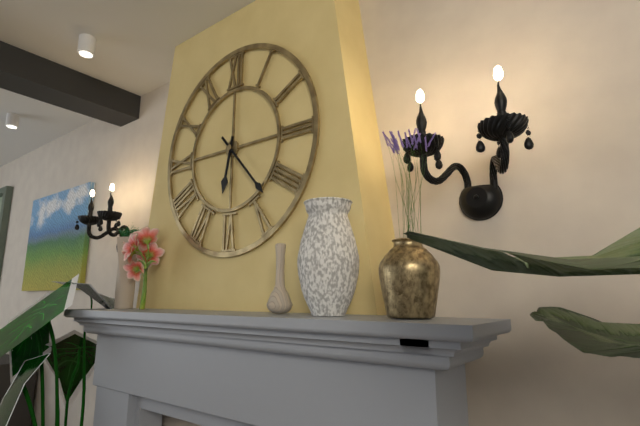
6 h 23 min
